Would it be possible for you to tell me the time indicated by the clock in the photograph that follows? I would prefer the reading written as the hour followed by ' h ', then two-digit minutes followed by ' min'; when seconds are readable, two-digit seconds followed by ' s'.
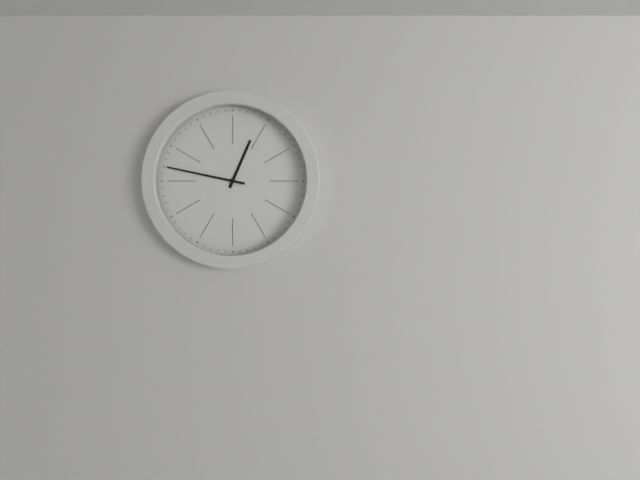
12 h 47 min
